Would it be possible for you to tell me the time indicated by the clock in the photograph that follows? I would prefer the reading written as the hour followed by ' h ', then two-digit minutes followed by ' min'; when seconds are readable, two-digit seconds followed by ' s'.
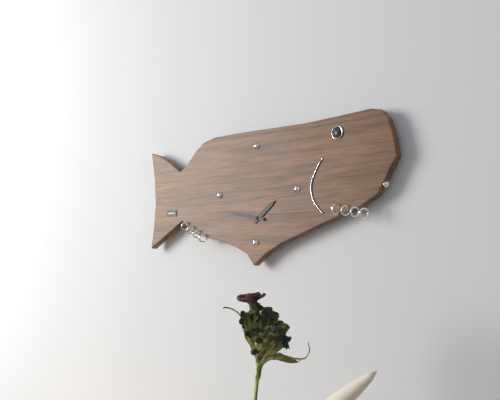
1 h 47 min
